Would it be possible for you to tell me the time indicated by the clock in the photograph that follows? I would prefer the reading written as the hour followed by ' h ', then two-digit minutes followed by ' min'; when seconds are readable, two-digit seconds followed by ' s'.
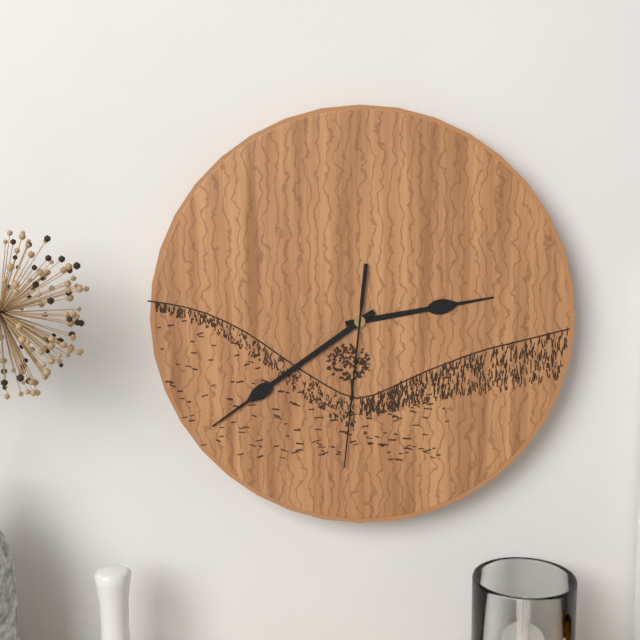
2 h 39 min 31 s
